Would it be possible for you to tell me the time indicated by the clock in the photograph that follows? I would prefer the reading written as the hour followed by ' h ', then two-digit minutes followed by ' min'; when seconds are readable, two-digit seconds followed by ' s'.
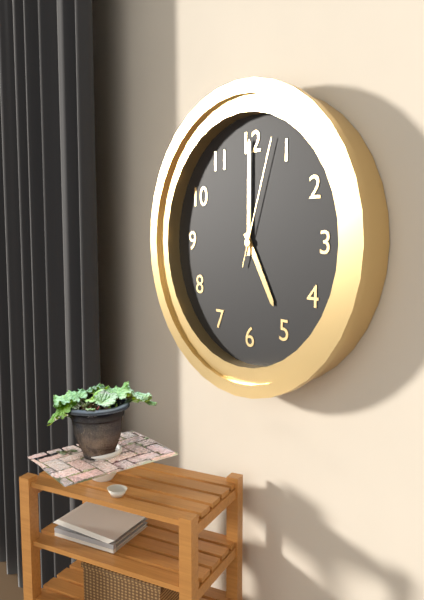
5 h 00 min 03 s
